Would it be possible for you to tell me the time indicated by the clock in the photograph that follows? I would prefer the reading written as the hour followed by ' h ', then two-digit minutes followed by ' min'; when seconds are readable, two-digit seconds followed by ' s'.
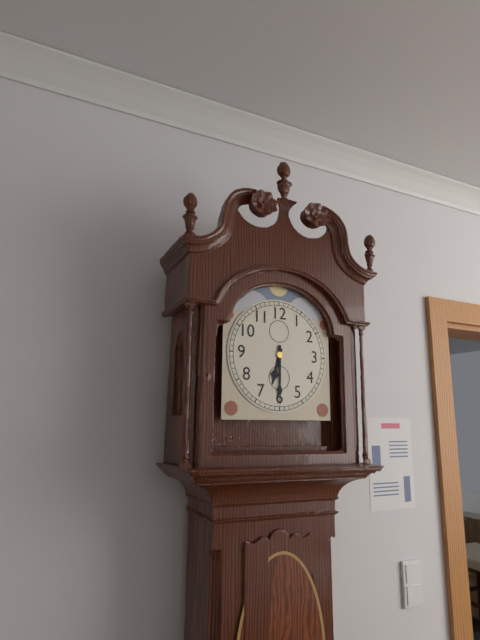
6 h 30 min
